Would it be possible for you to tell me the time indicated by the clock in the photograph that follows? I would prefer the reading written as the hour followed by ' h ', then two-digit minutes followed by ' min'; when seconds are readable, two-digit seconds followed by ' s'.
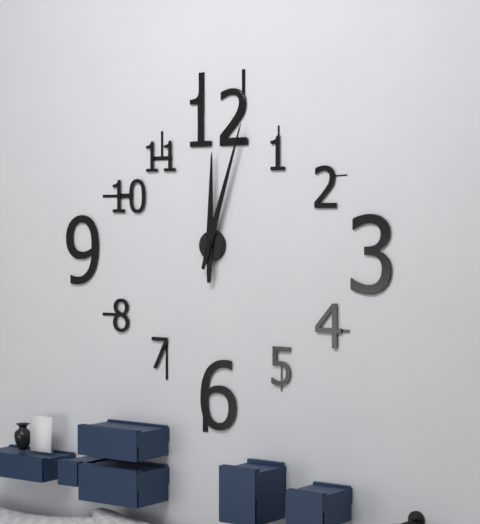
12 h 03 min
